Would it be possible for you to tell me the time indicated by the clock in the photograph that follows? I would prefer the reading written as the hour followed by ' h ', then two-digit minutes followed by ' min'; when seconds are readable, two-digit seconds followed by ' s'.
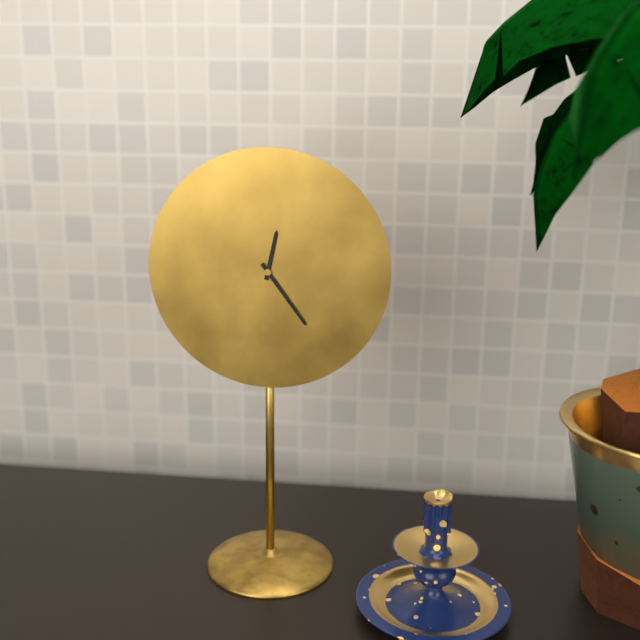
12 h 24 min
